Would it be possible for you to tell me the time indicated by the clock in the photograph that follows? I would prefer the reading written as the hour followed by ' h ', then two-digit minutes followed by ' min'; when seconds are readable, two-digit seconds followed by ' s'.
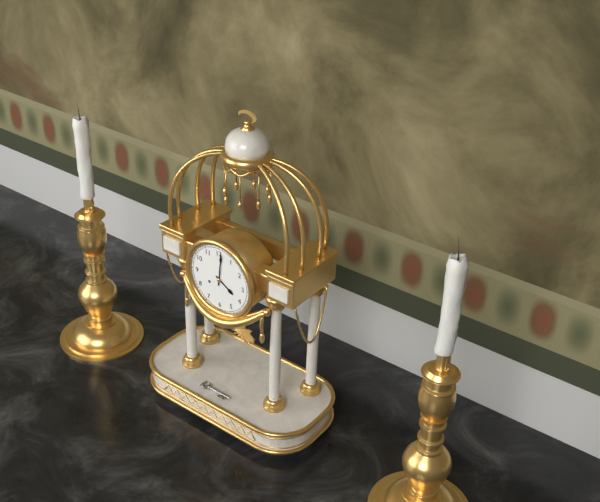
4 h 01 min
